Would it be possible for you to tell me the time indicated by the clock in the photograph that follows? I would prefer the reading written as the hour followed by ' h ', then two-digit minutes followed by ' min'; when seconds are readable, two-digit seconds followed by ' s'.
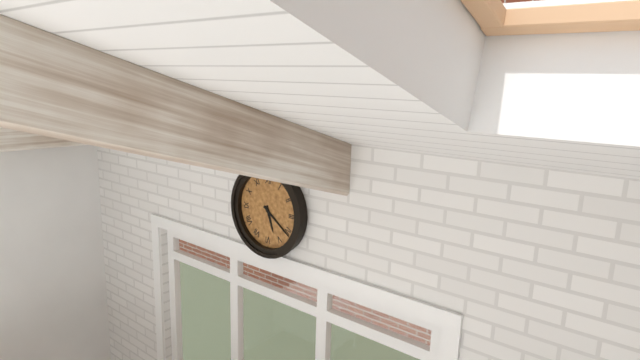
5 h 21 min
